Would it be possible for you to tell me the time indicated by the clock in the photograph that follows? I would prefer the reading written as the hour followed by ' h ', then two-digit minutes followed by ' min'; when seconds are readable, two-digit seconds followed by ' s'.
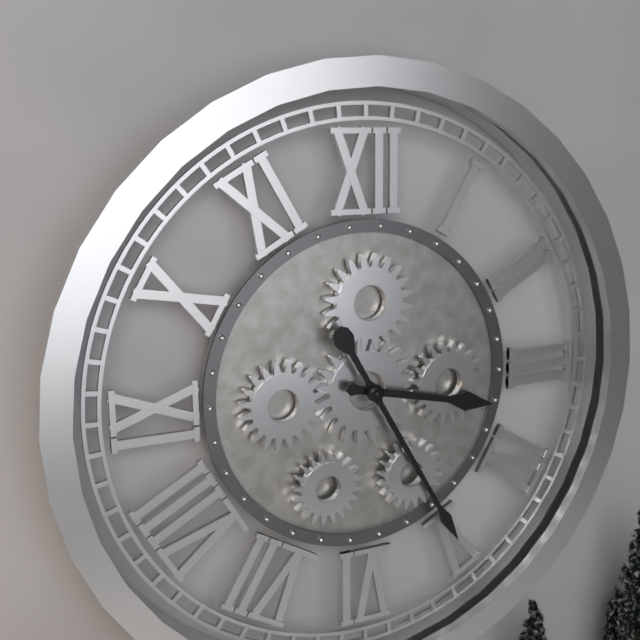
3 h 25 min
